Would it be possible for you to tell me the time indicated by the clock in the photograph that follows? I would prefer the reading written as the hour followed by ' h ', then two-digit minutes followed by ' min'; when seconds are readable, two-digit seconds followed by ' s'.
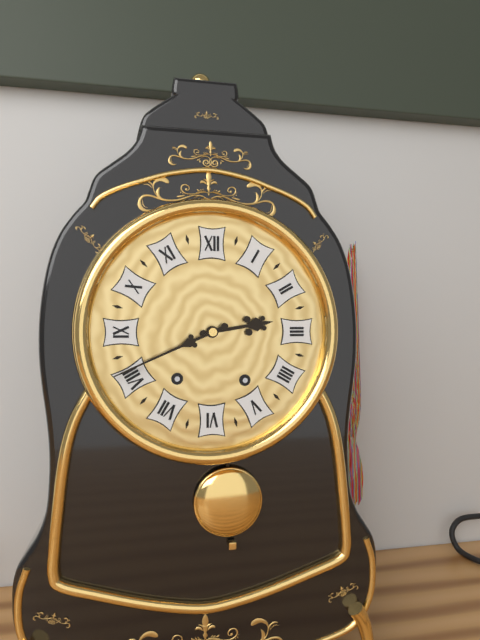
2 h 41 min
